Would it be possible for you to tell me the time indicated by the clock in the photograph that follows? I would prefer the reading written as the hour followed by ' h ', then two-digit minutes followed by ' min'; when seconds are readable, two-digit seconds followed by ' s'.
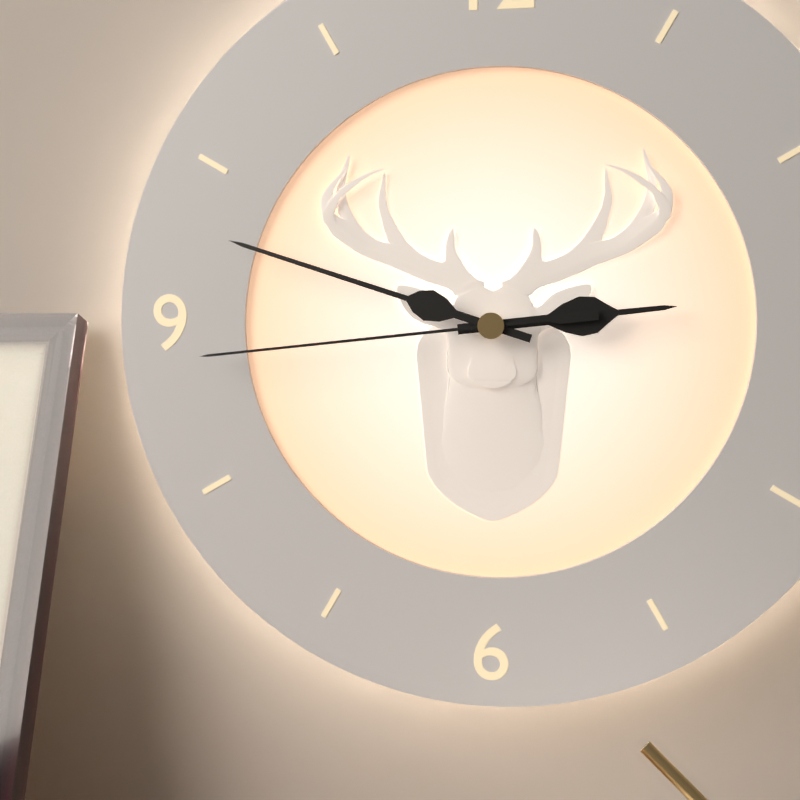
2 h 48 min 44 s
